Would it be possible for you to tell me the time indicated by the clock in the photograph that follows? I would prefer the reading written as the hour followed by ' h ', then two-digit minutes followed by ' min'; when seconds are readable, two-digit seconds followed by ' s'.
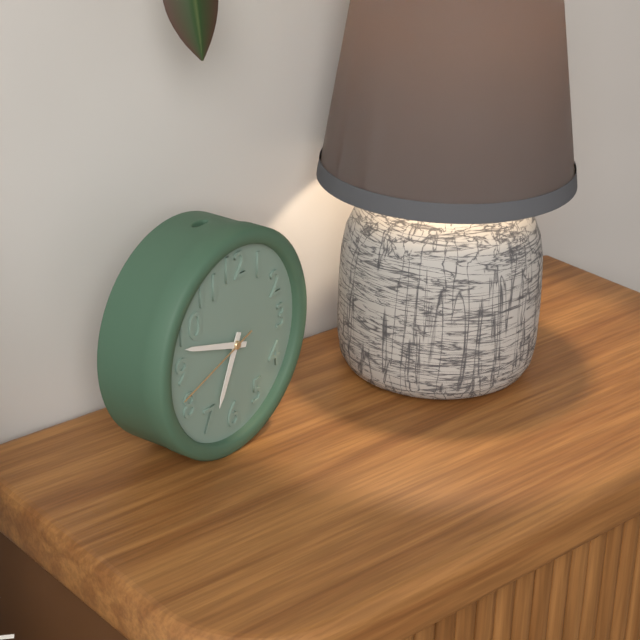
6 h 48 min 42 s
